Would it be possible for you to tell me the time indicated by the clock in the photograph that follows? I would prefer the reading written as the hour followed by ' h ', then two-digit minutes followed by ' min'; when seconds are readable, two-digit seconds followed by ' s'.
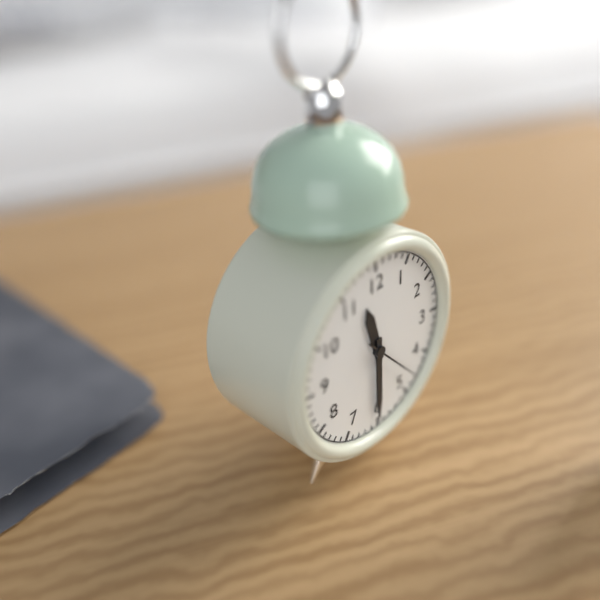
11 h 30 min 23 s
